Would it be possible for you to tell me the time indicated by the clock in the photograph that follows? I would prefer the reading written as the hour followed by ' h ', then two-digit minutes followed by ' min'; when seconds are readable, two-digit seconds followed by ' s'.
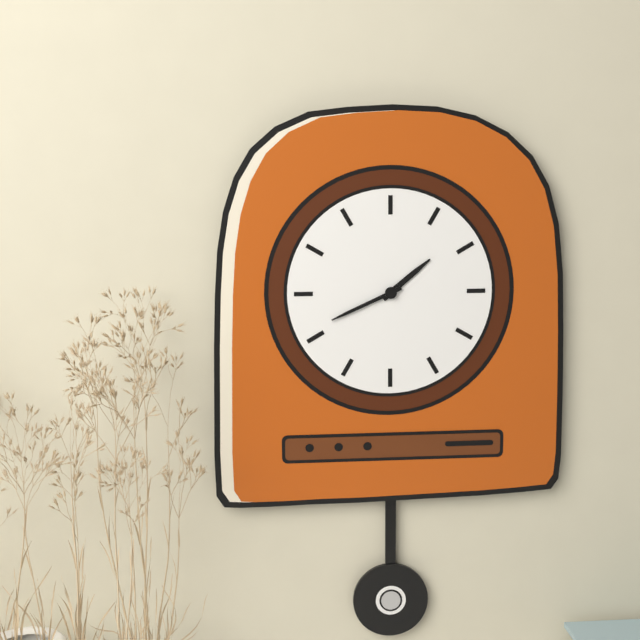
1 h 41 min
